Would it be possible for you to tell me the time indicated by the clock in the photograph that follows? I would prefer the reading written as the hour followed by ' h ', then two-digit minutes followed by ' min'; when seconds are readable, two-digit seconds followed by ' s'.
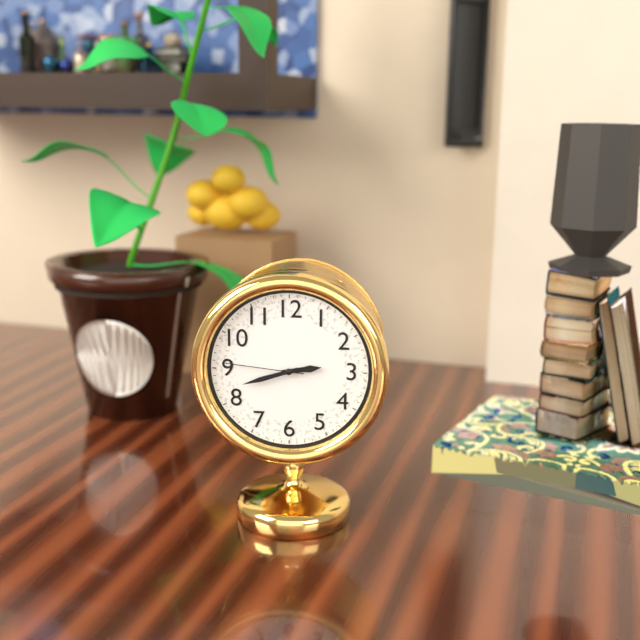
2 h 42 min 46 s
